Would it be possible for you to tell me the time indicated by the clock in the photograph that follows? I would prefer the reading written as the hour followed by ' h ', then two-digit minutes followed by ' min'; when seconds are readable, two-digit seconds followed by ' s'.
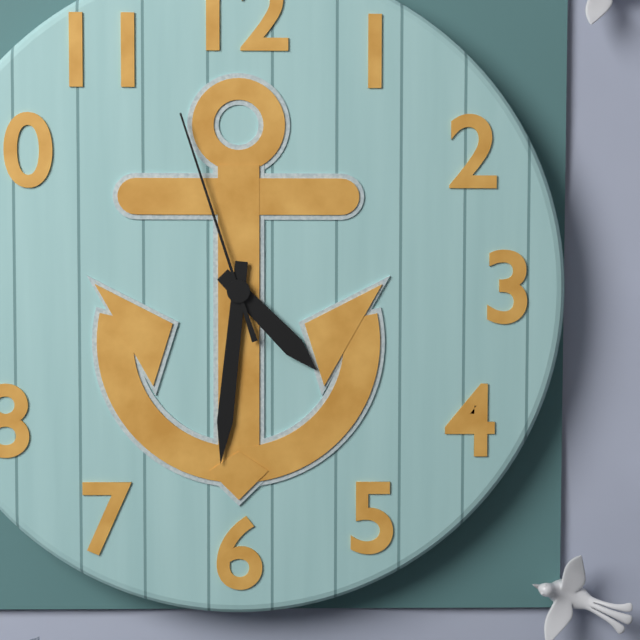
4 h 31 min 57 s
